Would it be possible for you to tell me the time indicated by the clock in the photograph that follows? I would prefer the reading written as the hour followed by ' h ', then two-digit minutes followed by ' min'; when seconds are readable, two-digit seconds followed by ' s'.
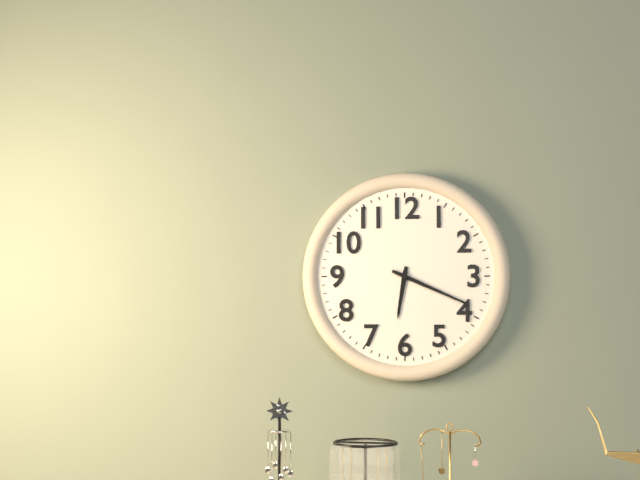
6 h 19 min
